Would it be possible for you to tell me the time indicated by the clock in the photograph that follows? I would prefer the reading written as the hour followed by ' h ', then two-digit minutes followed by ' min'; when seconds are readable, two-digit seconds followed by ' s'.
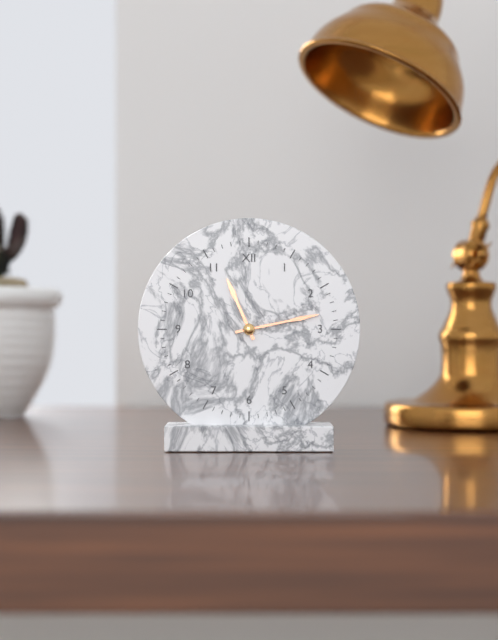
11 h 13 min
